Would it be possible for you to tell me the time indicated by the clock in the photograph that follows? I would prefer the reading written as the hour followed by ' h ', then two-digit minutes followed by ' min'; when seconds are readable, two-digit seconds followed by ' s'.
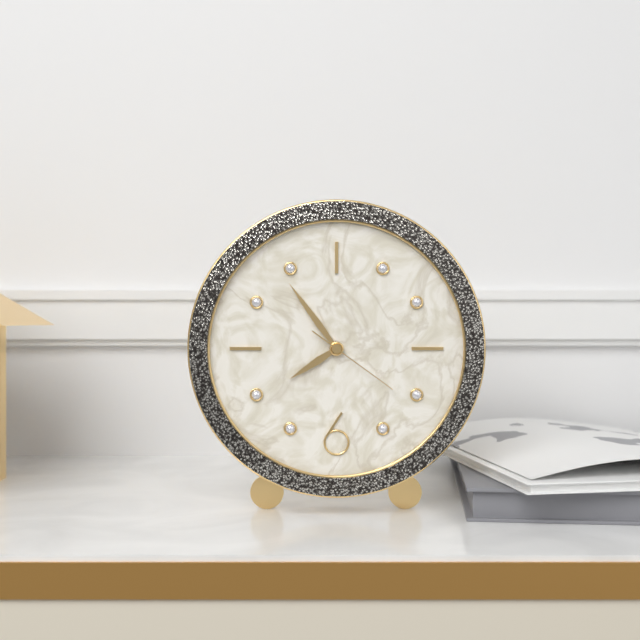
7 h 54 min 21 s
